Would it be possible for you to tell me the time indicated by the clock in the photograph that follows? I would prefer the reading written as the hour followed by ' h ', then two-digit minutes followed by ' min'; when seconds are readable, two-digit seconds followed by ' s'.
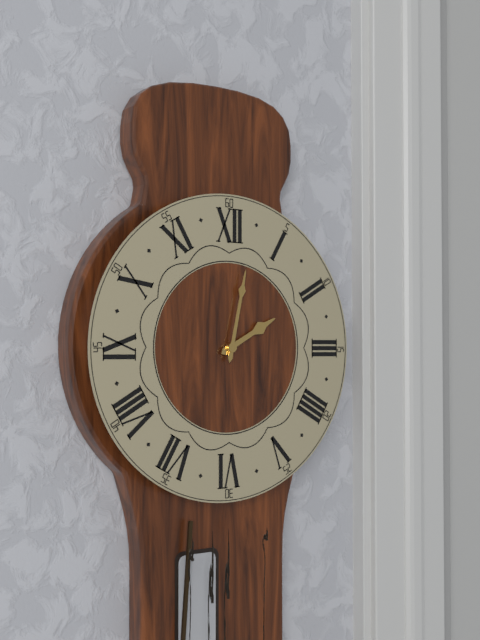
2 h 02 min
